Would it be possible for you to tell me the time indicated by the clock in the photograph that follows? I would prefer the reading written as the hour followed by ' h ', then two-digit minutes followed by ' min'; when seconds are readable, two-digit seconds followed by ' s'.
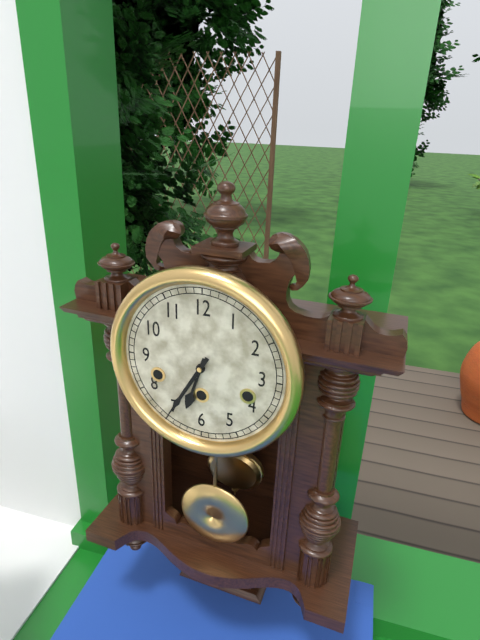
6 h 35 min
